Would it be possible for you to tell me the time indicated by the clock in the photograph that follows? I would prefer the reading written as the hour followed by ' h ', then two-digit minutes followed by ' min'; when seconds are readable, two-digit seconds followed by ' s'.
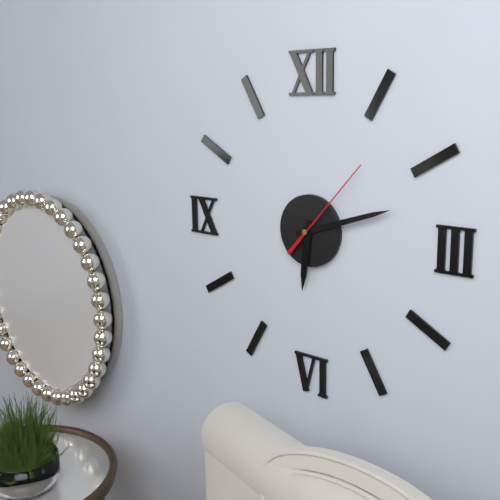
6 h 12 min 07 s
